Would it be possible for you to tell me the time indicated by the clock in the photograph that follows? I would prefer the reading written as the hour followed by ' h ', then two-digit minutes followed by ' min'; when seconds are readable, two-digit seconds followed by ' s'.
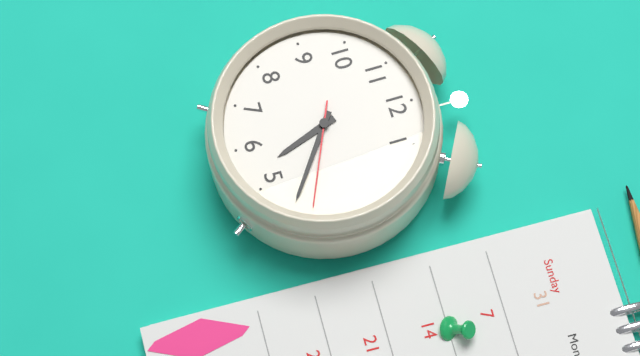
5 h 21 min 19 s
